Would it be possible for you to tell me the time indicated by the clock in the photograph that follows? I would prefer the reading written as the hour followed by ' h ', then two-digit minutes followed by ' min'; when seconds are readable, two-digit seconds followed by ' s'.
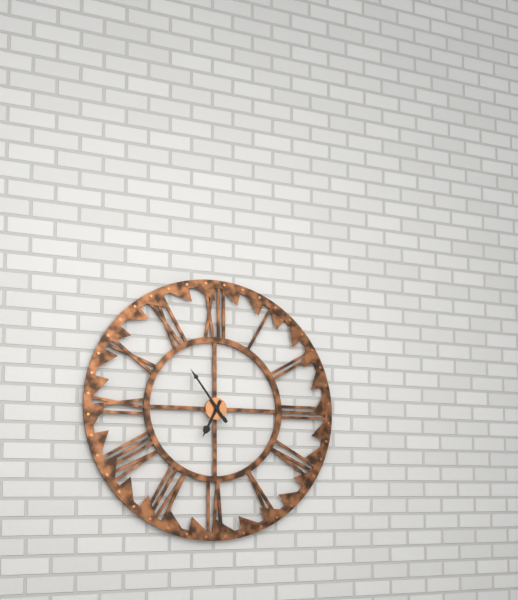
6 h 54 min
